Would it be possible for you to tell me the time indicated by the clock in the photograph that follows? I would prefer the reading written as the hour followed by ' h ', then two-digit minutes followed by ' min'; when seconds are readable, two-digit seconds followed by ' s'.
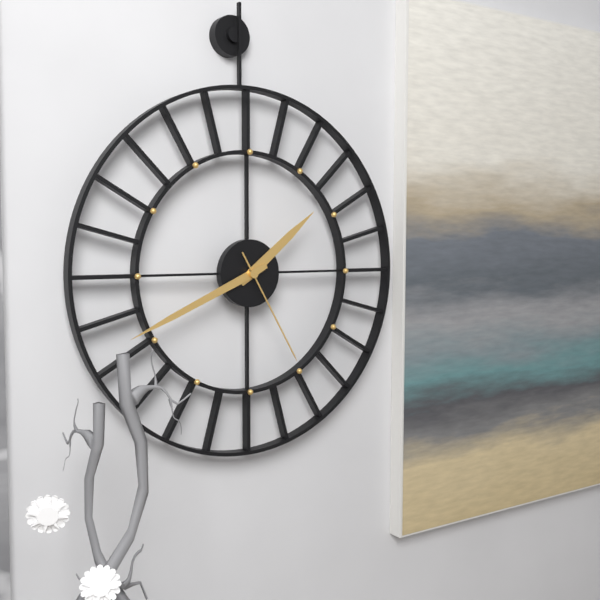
1 h 41 min 25 s
